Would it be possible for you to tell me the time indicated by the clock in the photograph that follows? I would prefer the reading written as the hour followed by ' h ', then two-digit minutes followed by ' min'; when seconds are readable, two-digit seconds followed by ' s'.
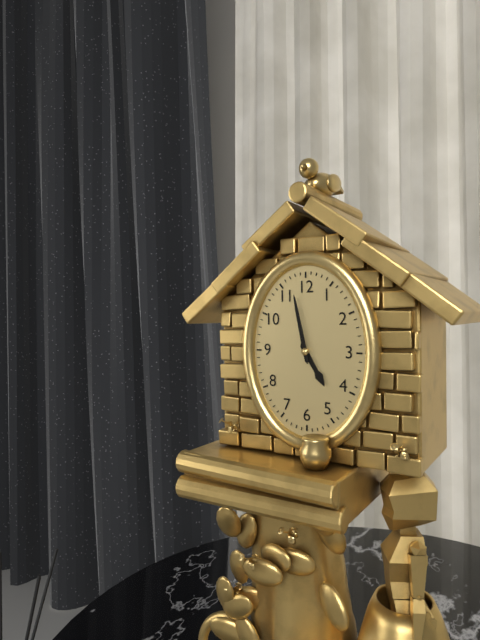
4 h 58 min
